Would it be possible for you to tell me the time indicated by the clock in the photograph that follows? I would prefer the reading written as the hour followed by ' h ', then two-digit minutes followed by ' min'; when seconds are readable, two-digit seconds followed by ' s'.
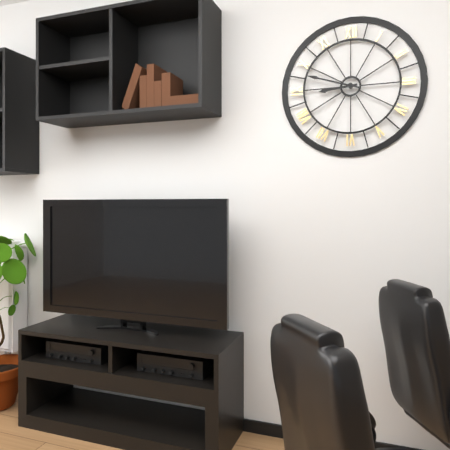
8 h 48 min
